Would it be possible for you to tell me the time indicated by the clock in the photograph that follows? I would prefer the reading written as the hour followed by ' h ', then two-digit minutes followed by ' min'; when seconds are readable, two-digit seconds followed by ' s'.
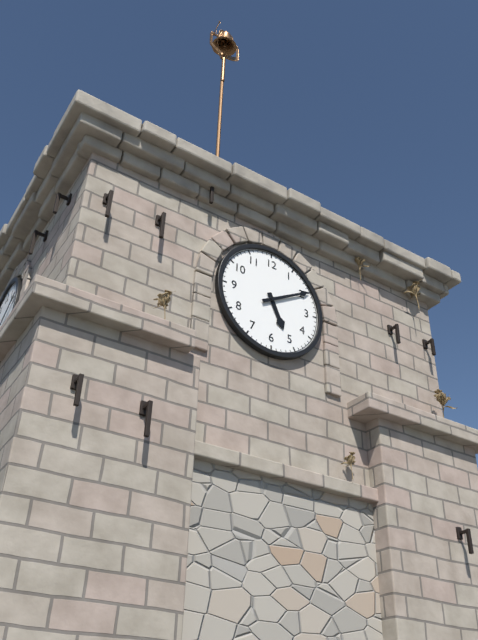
5 h 10 min
